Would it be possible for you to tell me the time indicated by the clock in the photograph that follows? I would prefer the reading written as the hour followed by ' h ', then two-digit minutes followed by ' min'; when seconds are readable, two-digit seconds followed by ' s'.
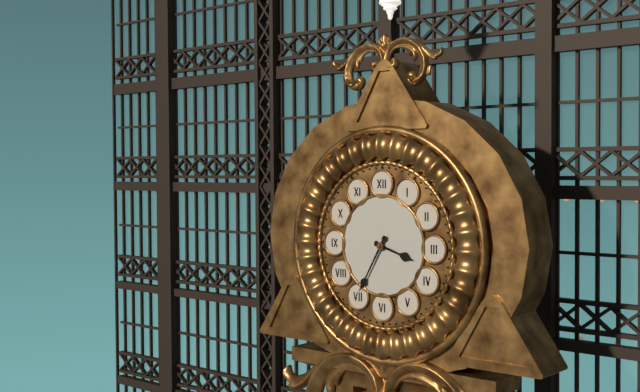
3 h 35 min
